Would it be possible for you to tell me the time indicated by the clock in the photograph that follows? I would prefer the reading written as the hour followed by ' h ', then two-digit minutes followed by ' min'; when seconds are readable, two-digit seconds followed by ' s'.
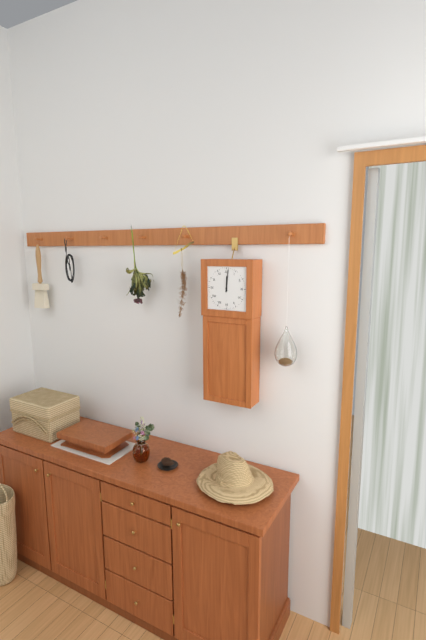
12 h 01 min
